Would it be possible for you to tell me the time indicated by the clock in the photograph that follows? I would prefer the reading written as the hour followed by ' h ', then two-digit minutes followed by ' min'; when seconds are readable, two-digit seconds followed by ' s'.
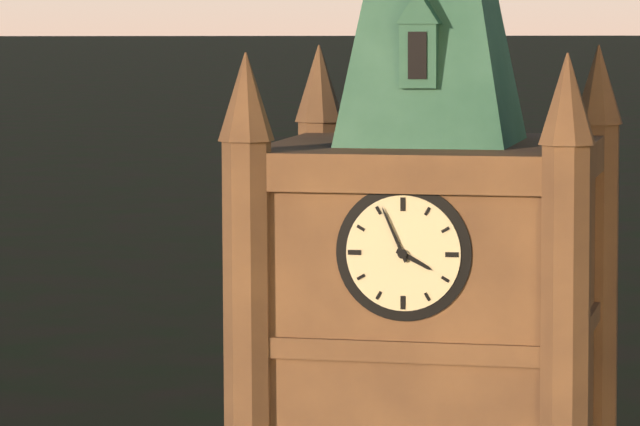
3 h 56 min
